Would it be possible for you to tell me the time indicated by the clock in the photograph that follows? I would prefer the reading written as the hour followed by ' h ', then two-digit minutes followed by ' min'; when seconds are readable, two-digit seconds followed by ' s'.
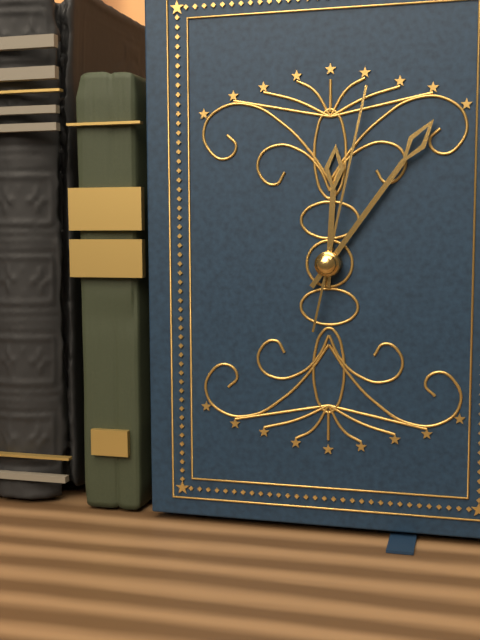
12 h 06 min 02 s
